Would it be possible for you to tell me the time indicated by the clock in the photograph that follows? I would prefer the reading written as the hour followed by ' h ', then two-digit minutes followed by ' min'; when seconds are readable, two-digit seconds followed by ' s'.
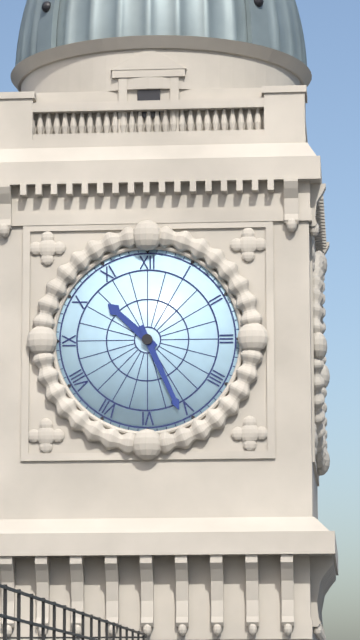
10 h 26 min
